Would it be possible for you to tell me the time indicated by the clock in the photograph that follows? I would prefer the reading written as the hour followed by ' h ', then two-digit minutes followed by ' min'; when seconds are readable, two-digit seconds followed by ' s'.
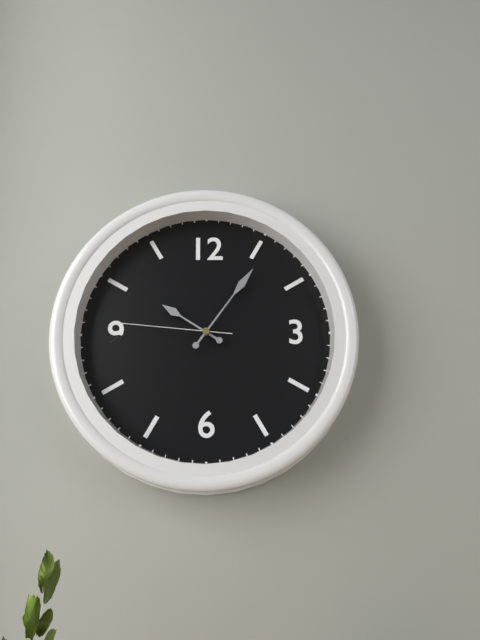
10 h 06 min 46 s
